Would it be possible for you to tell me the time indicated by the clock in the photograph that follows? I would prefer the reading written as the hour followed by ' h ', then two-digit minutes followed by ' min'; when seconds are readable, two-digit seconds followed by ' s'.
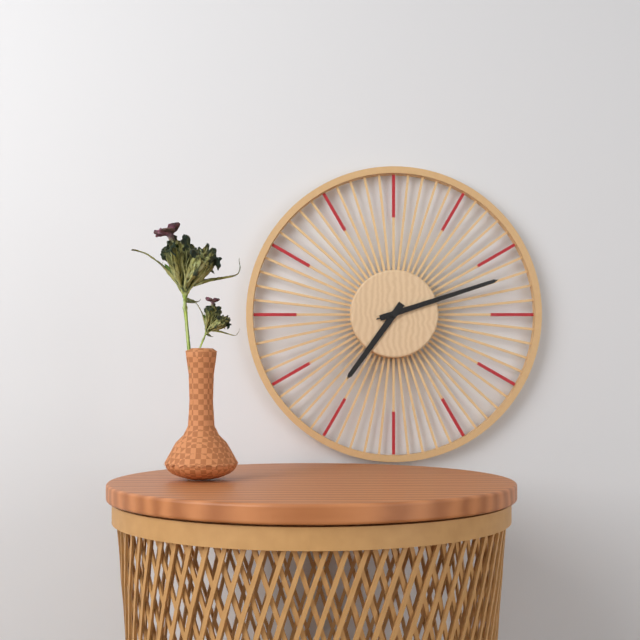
7 h 12 min 12 s
